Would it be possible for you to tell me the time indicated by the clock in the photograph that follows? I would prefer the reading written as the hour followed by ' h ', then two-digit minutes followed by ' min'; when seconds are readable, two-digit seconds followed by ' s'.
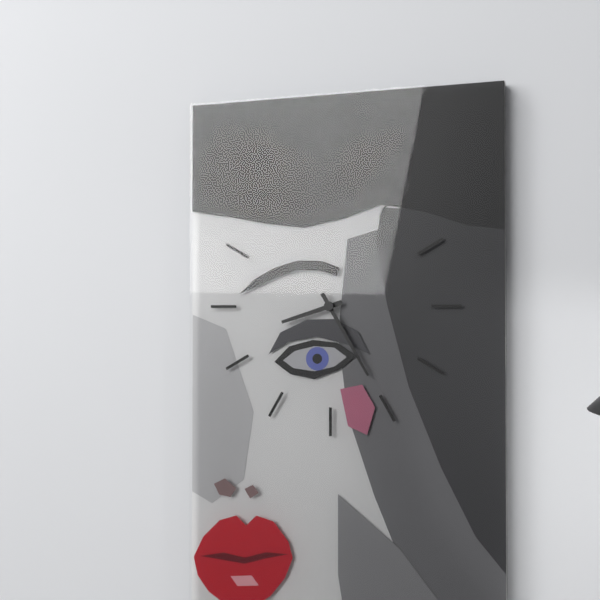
8 h 25 min
